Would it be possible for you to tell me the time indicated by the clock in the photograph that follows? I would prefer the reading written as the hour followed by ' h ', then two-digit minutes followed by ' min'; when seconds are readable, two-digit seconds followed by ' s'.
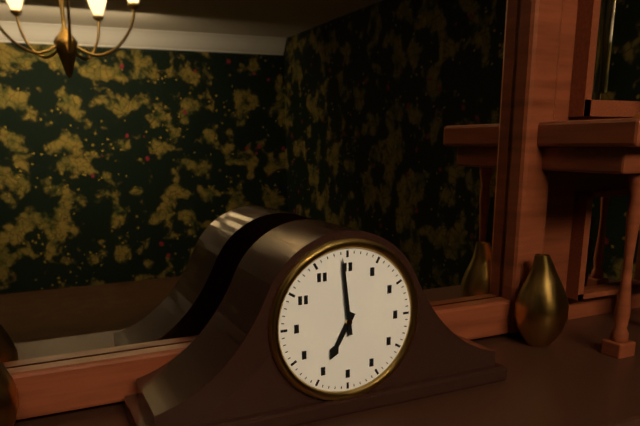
6 h 59 min
